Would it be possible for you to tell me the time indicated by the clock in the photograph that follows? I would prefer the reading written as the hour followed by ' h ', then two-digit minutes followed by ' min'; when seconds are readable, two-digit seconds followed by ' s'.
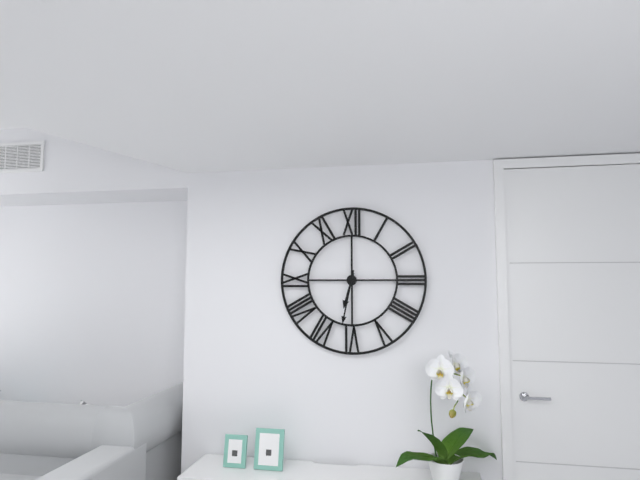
6 h 32 min
